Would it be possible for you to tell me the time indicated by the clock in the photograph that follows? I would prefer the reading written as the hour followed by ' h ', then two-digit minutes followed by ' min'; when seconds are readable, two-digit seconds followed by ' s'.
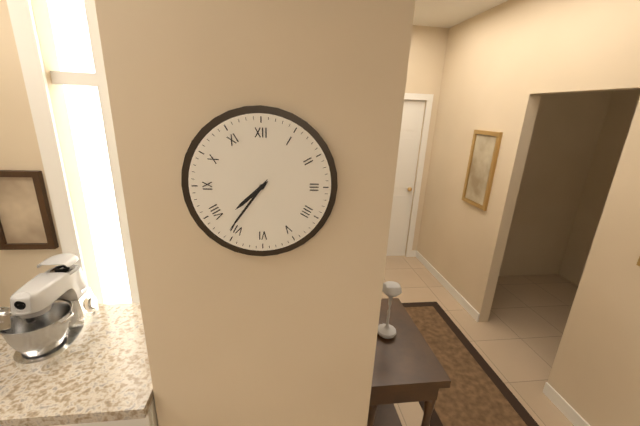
7 h 36 min
